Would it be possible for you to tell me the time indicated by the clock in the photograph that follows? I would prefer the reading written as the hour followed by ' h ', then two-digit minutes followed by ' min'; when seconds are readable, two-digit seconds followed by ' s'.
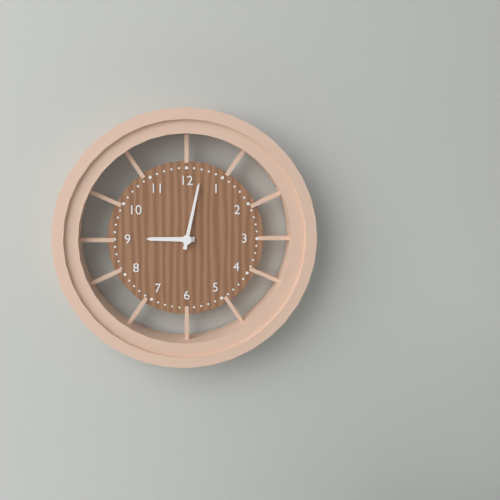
9 h 02 min
